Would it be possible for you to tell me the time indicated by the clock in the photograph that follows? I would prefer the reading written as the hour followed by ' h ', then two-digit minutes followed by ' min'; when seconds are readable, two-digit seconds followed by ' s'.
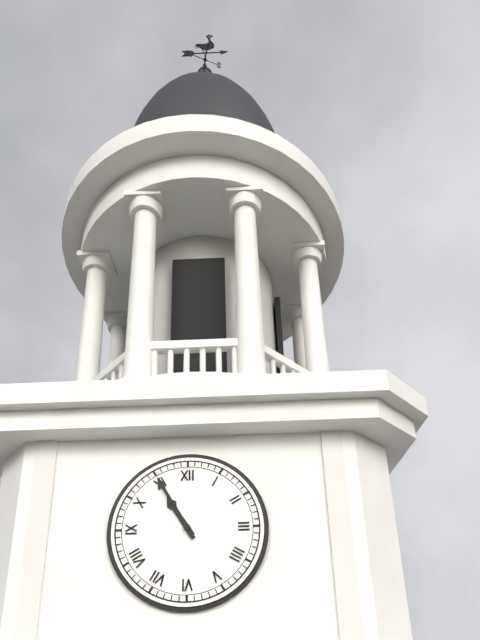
10 h 55 min
